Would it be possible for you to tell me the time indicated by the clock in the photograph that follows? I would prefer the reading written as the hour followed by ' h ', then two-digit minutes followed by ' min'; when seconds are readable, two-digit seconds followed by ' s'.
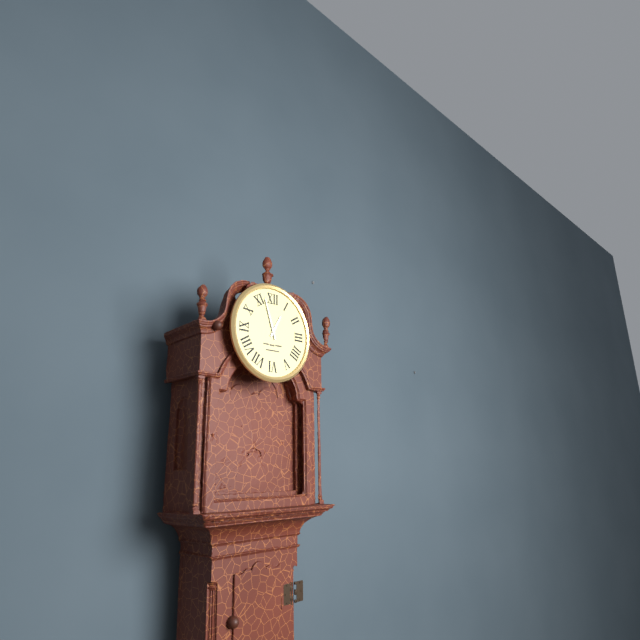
12 h 57 min
